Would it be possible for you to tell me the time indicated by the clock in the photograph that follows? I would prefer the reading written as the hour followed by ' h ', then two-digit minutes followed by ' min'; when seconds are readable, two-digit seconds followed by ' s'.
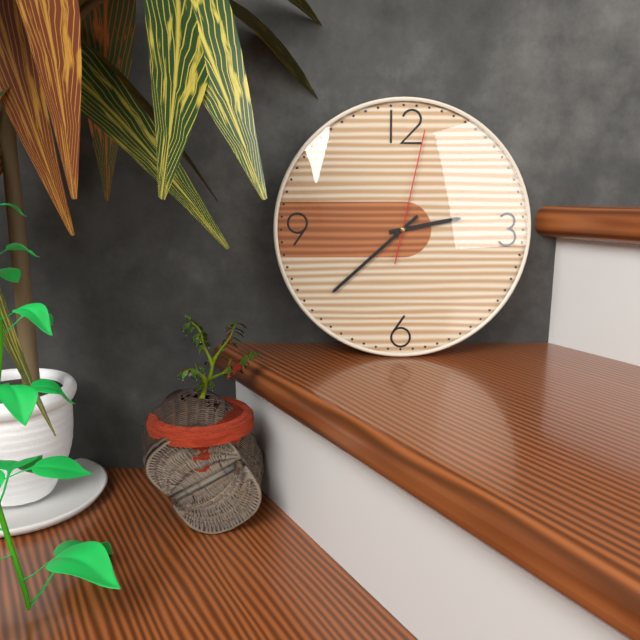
2 h 38 min 02 s
